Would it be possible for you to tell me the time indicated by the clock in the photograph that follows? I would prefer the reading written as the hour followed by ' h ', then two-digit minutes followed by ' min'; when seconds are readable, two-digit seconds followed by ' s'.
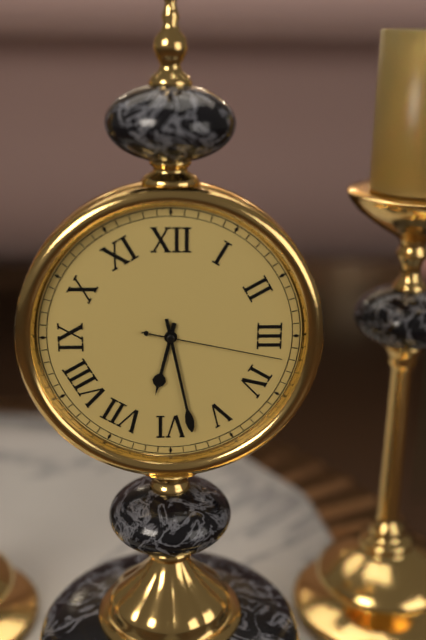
6 h 28 min 17 s
